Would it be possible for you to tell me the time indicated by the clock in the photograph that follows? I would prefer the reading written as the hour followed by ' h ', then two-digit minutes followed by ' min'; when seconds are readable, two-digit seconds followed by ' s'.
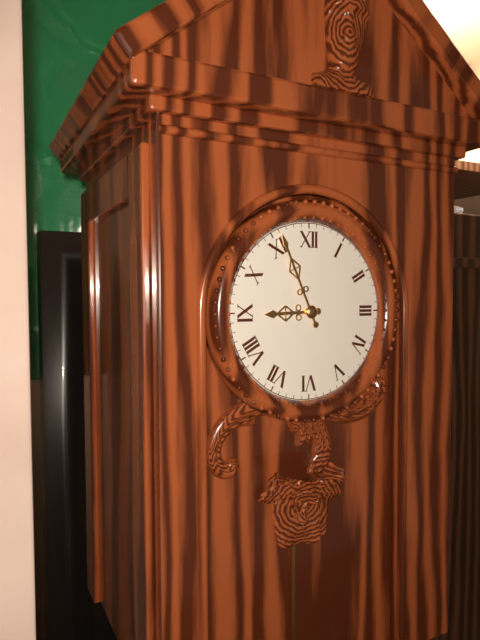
8 h 56 min
